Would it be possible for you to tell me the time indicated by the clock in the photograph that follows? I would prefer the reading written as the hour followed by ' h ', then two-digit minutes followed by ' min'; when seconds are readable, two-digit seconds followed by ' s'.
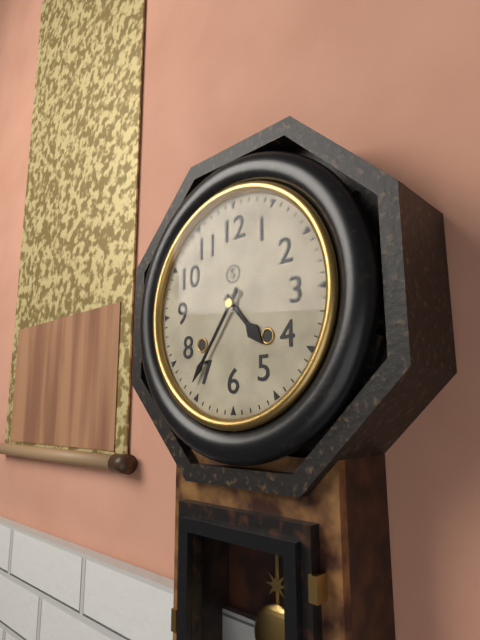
4 h 36 min
